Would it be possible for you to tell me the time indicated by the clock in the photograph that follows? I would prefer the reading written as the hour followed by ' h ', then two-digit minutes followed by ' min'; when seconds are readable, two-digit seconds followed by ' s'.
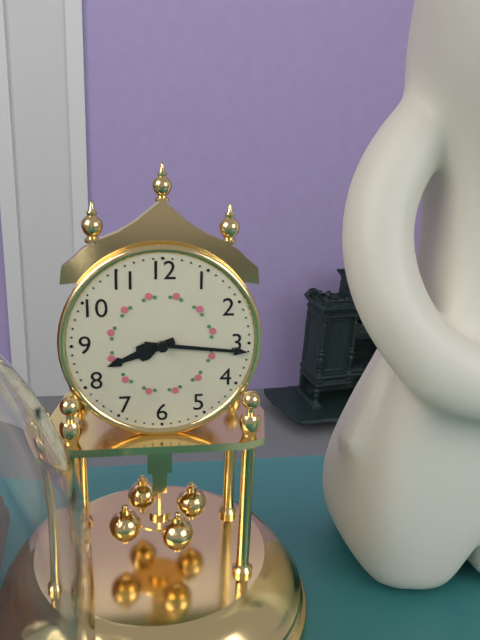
8 h 16 min
